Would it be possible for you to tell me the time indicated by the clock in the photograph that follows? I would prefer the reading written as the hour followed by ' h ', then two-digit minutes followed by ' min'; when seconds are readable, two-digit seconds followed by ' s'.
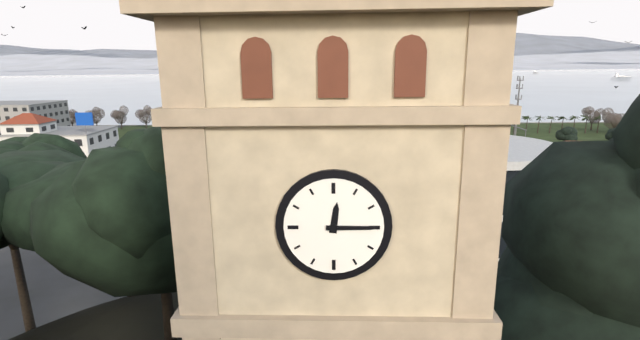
12 h 15 min
